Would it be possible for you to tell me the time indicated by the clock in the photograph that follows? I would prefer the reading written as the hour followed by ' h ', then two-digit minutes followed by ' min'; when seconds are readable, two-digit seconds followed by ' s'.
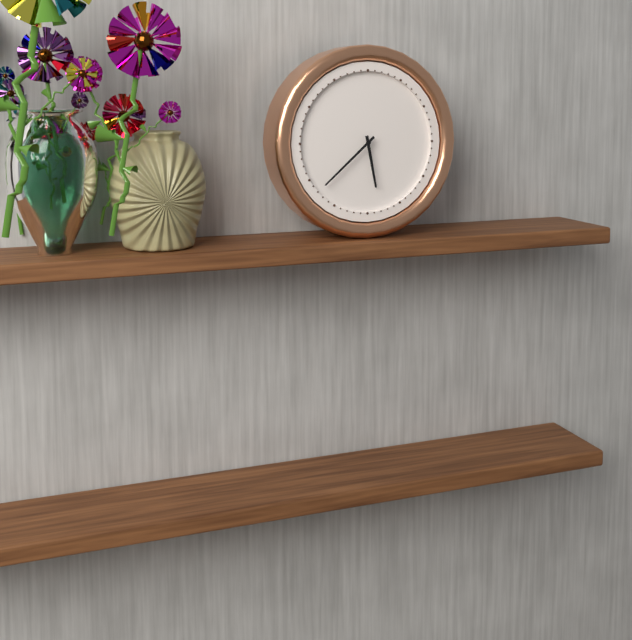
5 h 38 min
